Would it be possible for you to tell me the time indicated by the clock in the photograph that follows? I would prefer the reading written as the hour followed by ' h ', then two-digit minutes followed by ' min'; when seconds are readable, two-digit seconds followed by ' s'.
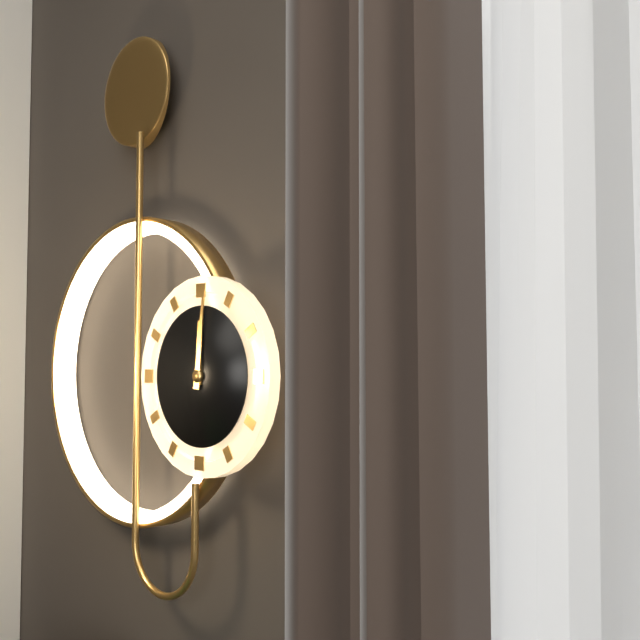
12 h 01 min
